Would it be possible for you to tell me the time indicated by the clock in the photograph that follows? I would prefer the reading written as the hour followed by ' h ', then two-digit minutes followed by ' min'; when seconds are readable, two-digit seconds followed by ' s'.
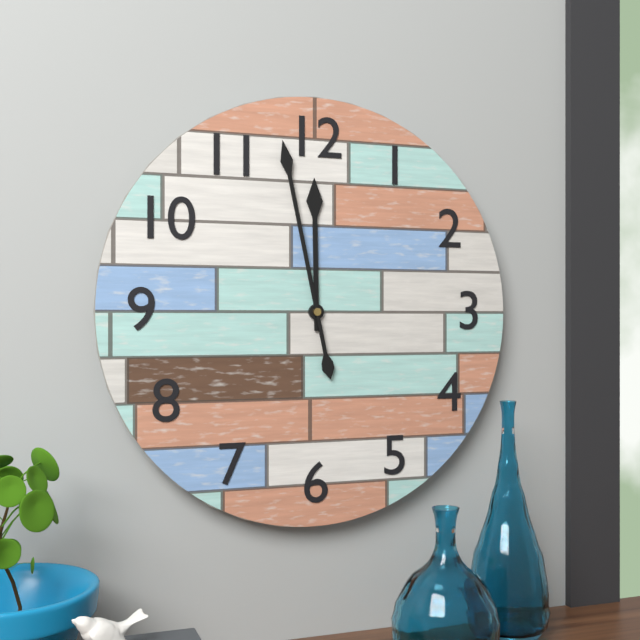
11 h 58 min
